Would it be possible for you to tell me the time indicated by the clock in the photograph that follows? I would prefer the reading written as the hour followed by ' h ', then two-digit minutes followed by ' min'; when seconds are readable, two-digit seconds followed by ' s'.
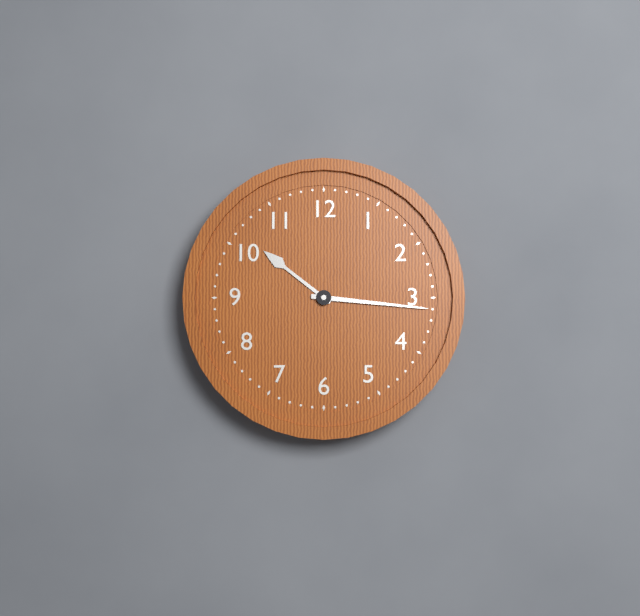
10 h 16 min
